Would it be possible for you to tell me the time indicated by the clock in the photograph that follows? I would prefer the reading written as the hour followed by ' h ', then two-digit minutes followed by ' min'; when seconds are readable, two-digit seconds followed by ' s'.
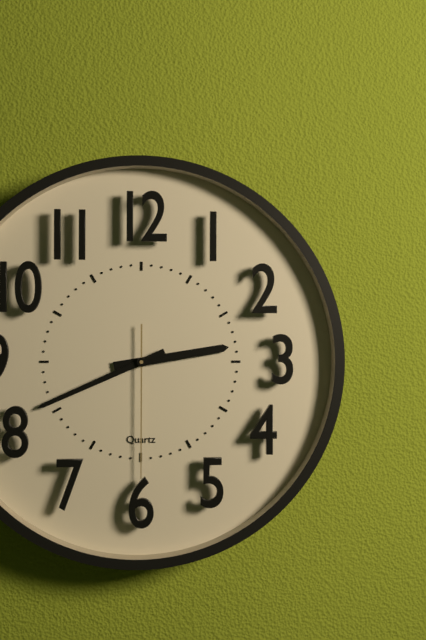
2 h 41 min 30 s
